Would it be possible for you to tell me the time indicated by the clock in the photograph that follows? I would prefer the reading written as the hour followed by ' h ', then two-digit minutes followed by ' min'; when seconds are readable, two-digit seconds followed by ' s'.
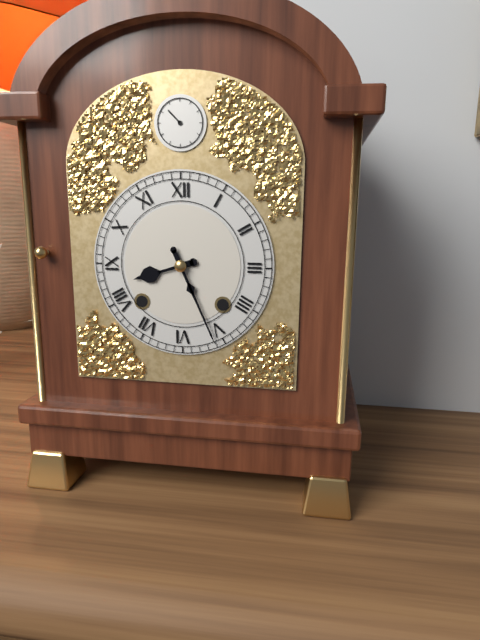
8 h 26 min
